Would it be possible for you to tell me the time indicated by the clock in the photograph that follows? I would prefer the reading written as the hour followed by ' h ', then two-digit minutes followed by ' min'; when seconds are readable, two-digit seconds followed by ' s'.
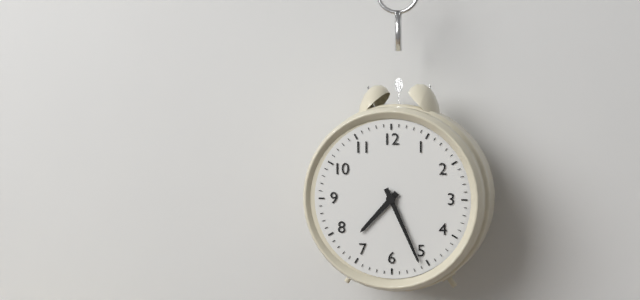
7 h 26 min
